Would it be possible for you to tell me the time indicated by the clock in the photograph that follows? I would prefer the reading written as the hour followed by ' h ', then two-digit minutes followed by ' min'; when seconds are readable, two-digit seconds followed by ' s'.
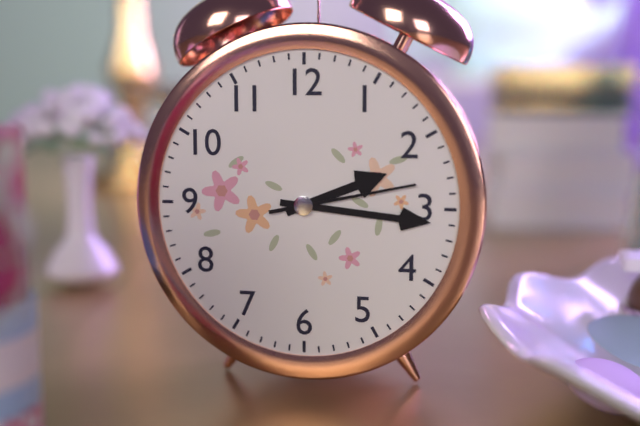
2 h 16 min 13 s
